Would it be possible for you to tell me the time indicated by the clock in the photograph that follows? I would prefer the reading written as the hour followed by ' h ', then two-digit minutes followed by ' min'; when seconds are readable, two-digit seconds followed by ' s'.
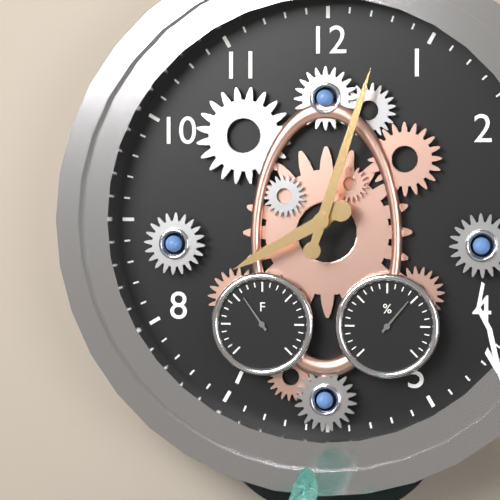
8 h 03 min
